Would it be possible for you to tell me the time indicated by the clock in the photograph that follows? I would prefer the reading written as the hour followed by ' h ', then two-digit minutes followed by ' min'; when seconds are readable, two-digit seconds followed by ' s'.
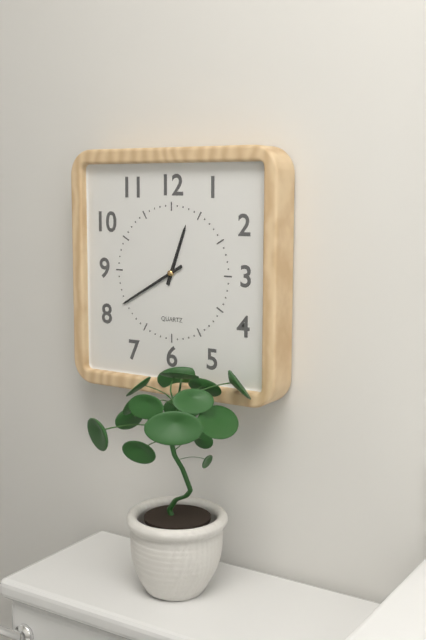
12 h 40 min
